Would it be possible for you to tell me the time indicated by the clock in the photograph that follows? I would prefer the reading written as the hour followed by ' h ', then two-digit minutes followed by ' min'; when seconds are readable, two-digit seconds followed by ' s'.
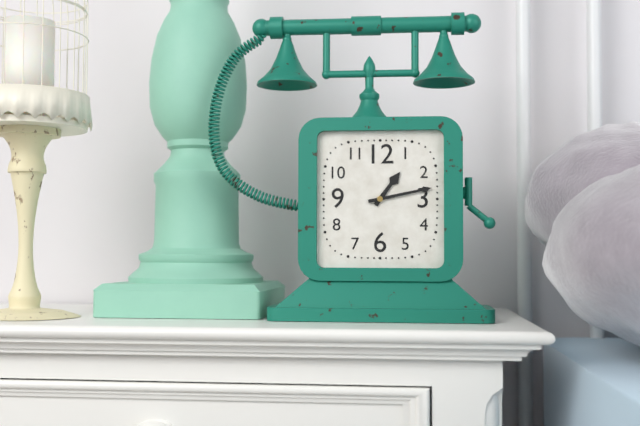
1 h 13 min
